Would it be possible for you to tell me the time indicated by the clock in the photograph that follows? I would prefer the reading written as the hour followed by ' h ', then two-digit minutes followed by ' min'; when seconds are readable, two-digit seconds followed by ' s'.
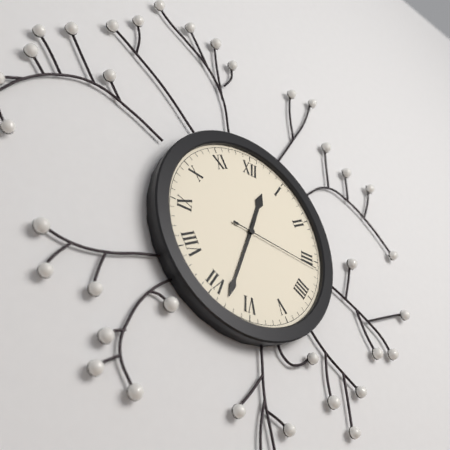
12 h 33 min 16 s
